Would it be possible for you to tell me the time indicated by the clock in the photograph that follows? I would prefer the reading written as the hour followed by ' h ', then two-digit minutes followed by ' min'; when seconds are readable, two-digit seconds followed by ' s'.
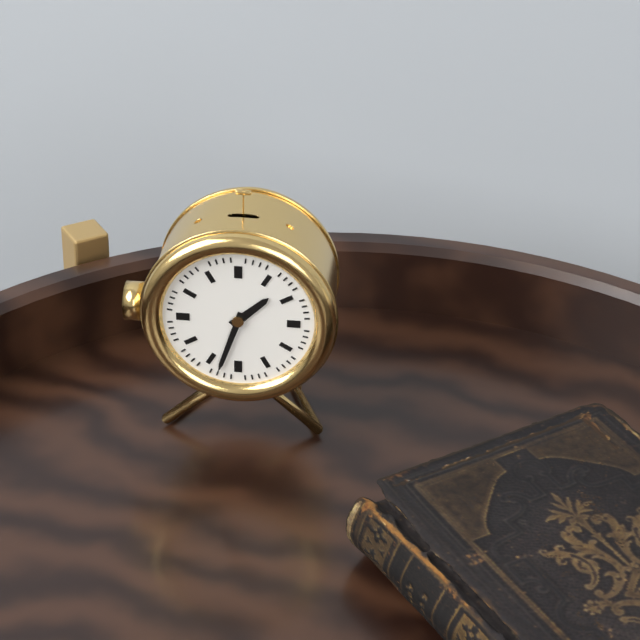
1 h 33 min
